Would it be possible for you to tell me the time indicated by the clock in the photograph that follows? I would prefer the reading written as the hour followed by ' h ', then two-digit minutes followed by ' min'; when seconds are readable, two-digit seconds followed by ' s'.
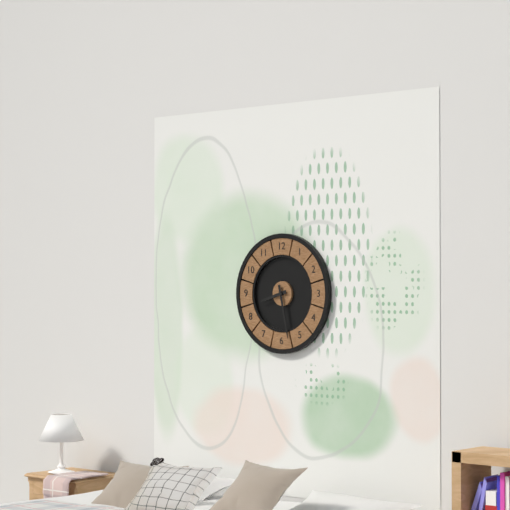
8 h 28 min
